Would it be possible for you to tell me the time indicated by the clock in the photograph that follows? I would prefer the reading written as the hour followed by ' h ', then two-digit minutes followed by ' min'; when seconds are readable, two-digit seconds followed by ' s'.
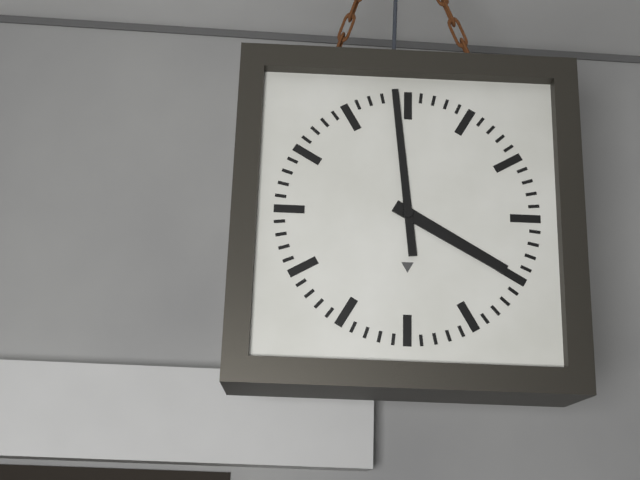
3 h 59 min
